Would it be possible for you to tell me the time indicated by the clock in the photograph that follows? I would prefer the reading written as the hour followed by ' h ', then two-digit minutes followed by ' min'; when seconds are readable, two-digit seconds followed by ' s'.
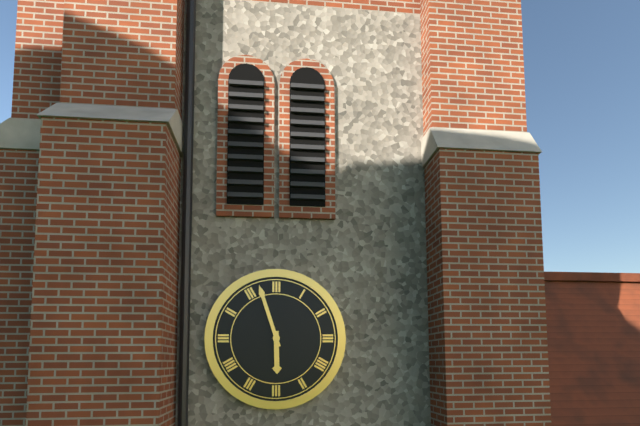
5 h 57 min
